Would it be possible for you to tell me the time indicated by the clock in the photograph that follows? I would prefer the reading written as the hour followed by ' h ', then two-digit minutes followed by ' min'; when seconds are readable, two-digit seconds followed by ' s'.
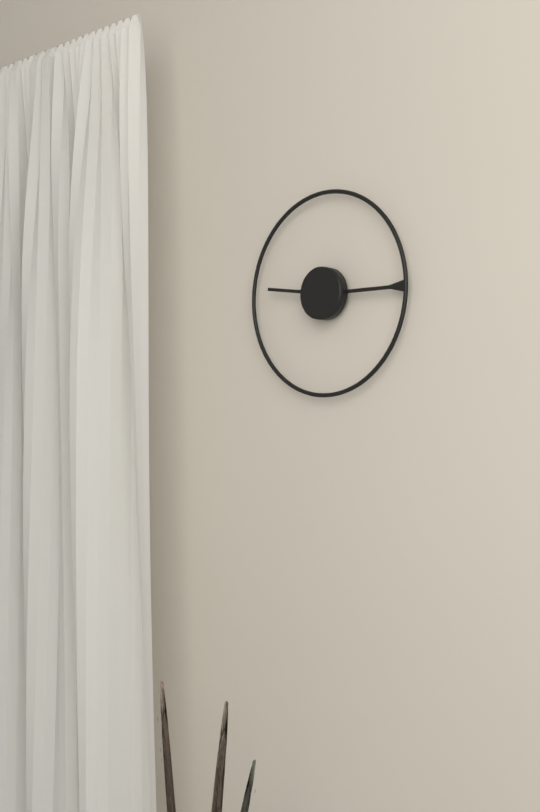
9 h 15 min
